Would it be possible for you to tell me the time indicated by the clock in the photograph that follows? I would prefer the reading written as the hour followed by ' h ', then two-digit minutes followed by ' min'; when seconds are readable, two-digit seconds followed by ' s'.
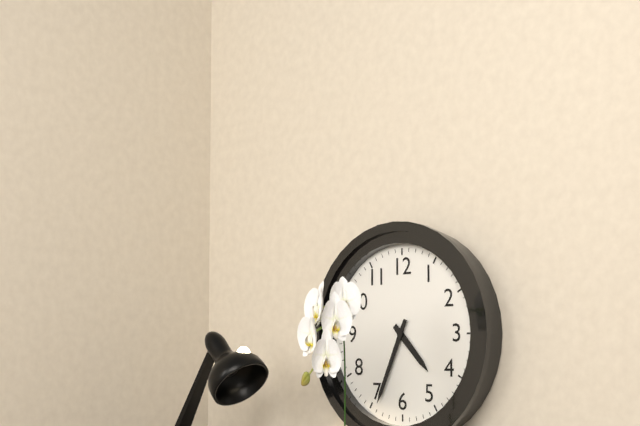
4 h 34 min
